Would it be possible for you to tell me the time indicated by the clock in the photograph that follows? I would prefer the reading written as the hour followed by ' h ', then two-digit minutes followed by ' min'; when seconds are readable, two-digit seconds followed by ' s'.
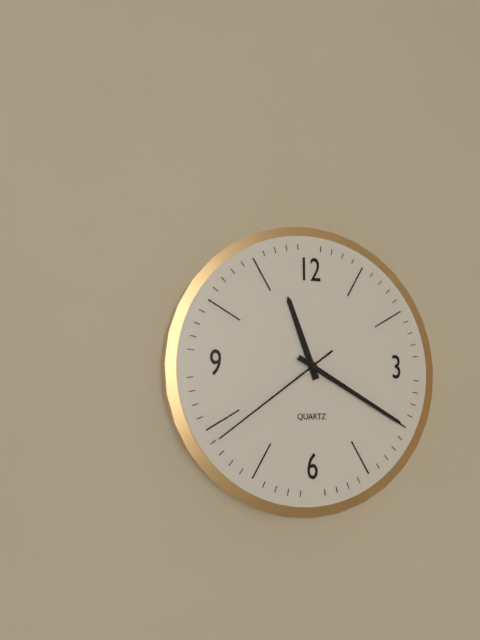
11 h 20 min 39 s
